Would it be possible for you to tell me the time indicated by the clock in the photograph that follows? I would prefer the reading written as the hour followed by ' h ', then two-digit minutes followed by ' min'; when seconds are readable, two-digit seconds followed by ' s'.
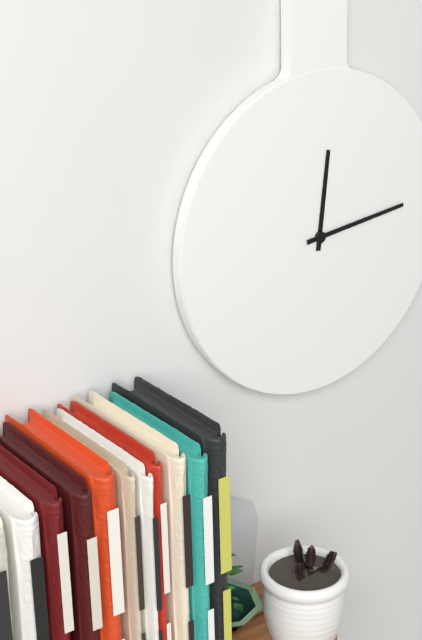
12 h 14 min
